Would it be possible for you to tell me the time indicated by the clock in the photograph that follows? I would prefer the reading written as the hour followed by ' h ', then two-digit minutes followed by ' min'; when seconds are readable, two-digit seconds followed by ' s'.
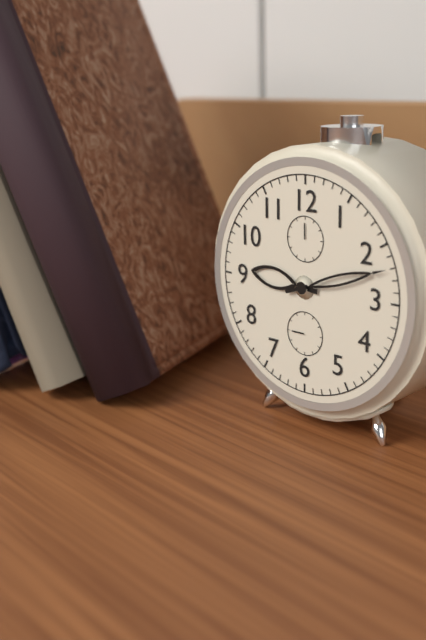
9 h 12 min
